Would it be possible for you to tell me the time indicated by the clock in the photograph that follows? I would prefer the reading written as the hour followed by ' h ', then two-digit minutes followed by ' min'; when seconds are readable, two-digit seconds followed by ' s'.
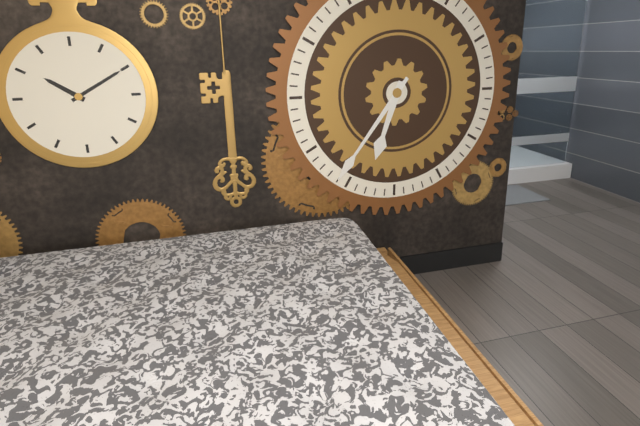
6 h 36 min
